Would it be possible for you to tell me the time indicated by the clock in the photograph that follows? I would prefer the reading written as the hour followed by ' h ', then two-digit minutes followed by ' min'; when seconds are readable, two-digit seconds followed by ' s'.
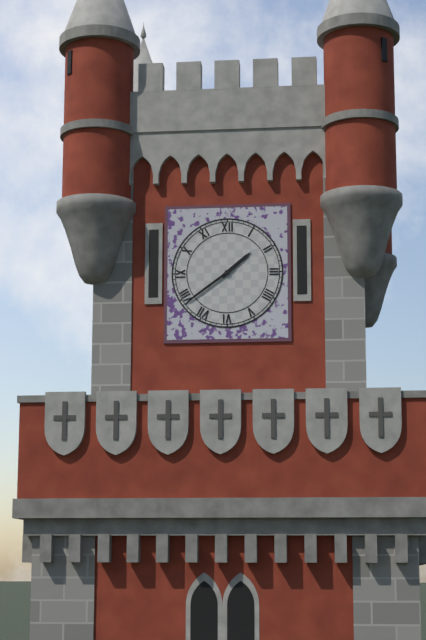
1 h 39 min
